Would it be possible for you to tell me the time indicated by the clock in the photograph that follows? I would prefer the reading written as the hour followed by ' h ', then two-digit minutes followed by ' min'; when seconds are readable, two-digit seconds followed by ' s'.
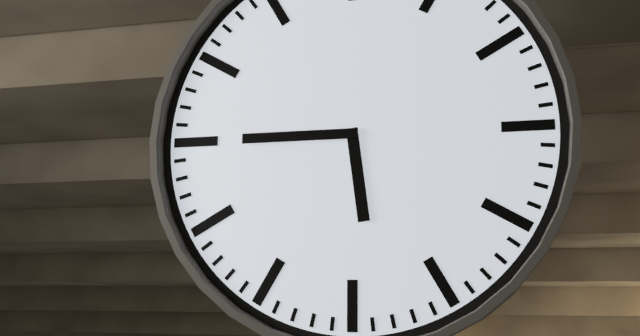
5 h 45 min
